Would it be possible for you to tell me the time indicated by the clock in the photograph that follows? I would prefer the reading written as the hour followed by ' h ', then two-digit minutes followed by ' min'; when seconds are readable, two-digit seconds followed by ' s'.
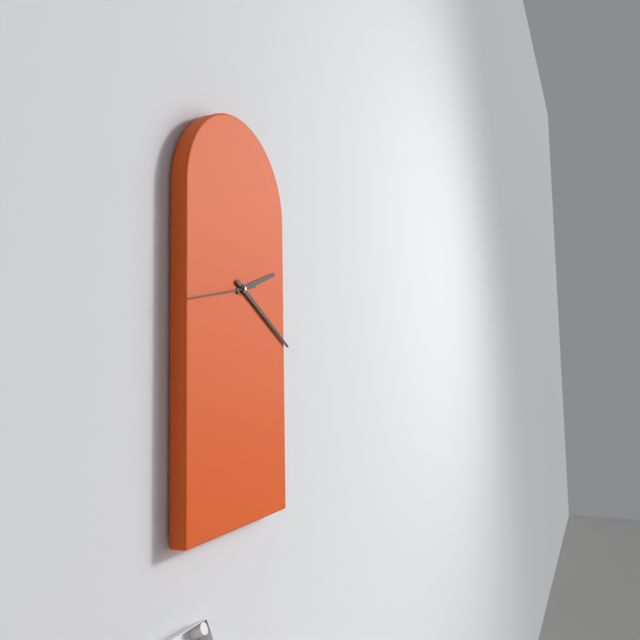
2 h 20 min 43 s
